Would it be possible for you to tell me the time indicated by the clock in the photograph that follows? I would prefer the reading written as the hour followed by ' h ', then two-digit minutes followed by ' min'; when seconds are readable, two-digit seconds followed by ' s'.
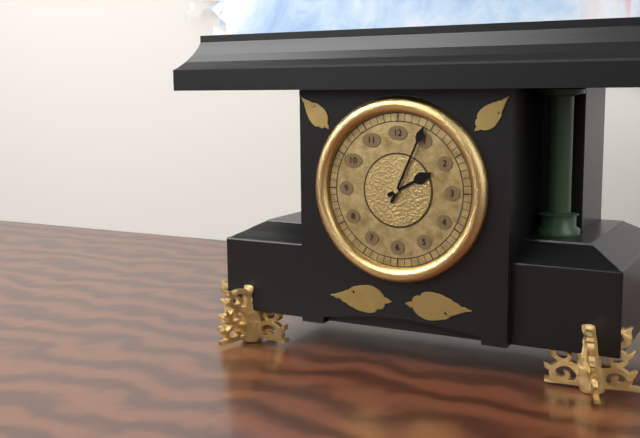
2 h 04 min
